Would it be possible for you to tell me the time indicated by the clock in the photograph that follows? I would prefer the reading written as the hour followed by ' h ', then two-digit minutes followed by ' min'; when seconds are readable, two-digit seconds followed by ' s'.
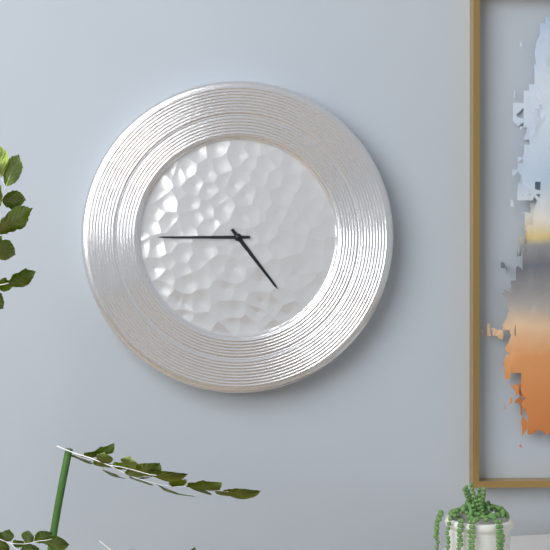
4 h 45 min
